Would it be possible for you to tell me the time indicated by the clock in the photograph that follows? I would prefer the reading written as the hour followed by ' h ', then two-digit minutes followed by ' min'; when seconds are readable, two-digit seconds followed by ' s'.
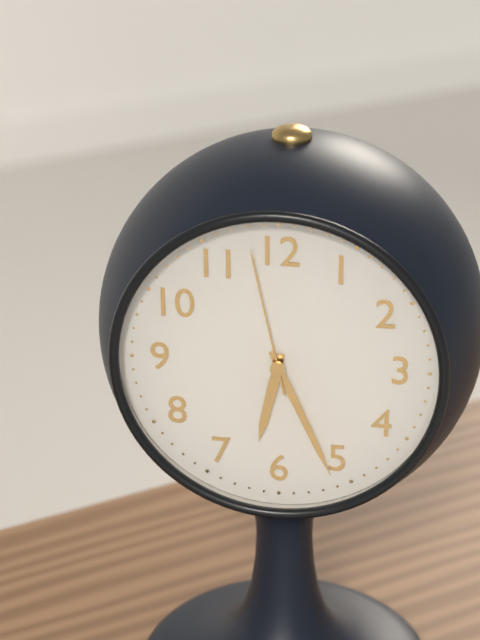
6 h 26 min 58 s
